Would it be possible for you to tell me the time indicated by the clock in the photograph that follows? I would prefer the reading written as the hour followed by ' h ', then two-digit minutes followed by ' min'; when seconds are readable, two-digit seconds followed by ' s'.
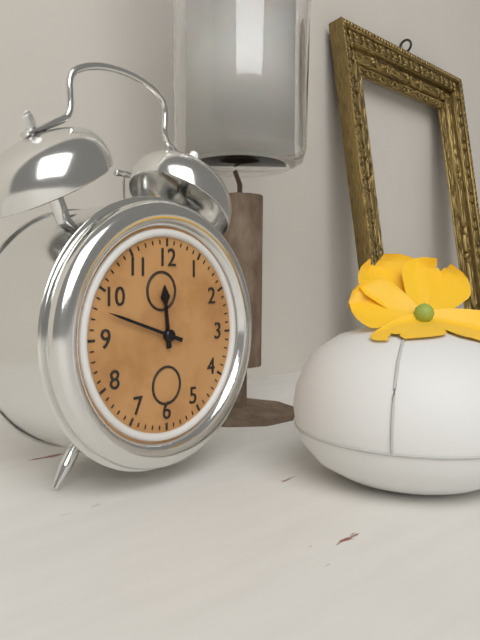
11 h 48 min
